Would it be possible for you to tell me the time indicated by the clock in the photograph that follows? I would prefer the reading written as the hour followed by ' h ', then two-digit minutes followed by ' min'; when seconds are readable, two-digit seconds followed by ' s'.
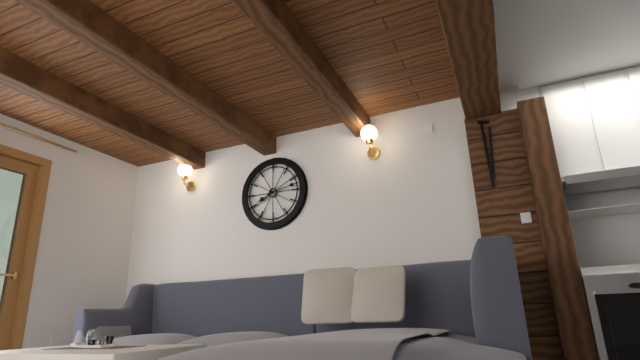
8 h 13 min
